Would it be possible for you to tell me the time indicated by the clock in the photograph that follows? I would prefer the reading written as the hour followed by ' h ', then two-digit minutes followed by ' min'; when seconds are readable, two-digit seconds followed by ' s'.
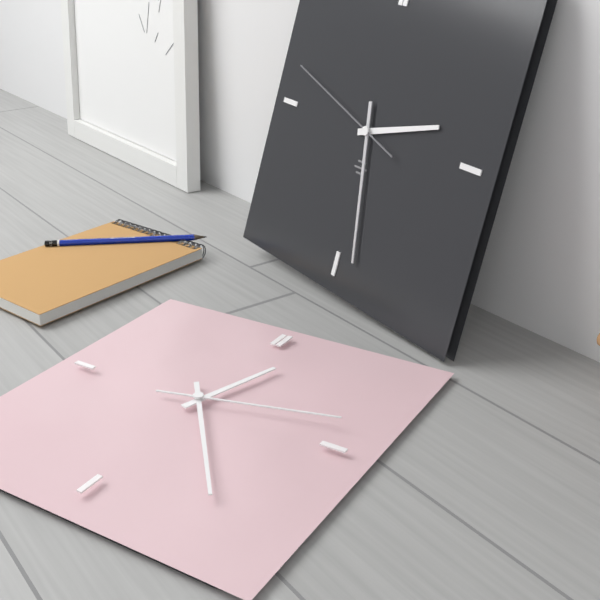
2 h 28 min 48 s
